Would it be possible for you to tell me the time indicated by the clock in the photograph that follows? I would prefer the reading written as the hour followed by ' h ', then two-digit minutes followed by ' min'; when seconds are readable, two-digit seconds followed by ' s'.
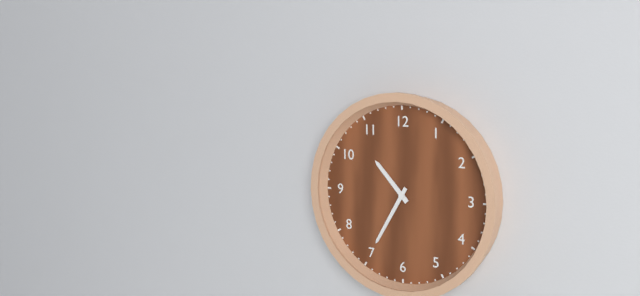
10 h 35 min
